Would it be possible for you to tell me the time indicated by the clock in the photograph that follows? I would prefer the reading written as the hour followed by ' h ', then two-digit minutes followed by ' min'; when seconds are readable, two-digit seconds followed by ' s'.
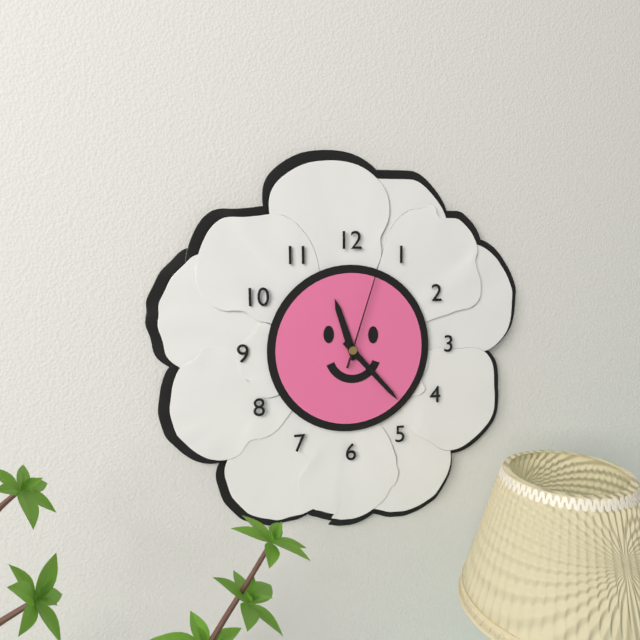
11 h 23 min 03 s
